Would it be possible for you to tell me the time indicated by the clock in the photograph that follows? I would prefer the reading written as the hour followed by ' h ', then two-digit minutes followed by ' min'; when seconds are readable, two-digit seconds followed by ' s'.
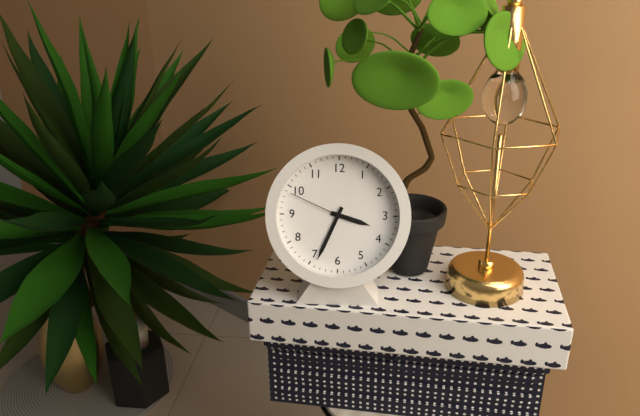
3 h 34 min 49 s
